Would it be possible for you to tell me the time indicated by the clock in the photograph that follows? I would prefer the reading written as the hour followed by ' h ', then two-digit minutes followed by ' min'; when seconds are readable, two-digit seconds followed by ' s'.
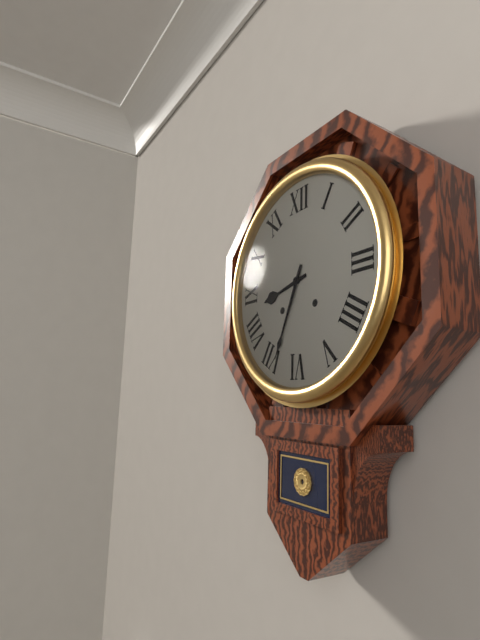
8 h 34 min
